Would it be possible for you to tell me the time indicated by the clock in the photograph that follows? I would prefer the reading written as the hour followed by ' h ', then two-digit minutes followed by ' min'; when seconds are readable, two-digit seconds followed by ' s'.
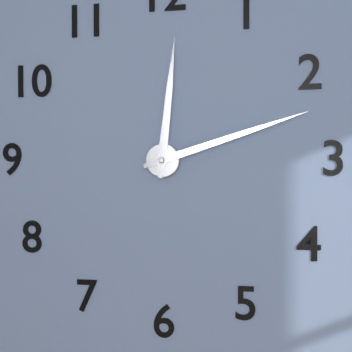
12 h 12 min
